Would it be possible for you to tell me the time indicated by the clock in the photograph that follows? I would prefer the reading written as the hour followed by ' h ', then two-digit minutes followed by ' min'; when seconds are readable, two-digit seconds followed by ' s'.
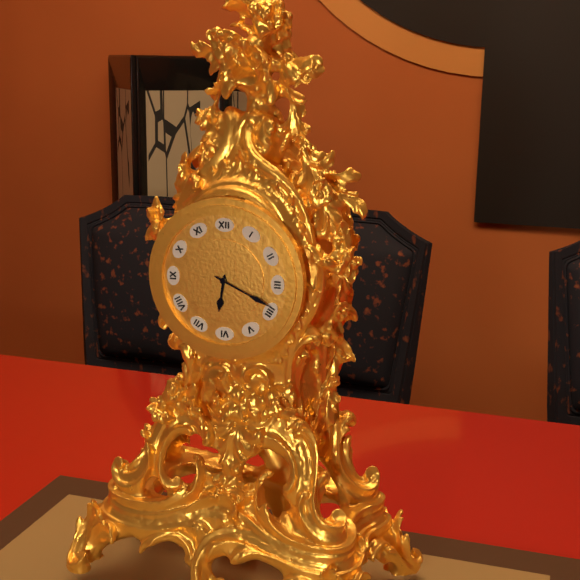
6 h 19 min
